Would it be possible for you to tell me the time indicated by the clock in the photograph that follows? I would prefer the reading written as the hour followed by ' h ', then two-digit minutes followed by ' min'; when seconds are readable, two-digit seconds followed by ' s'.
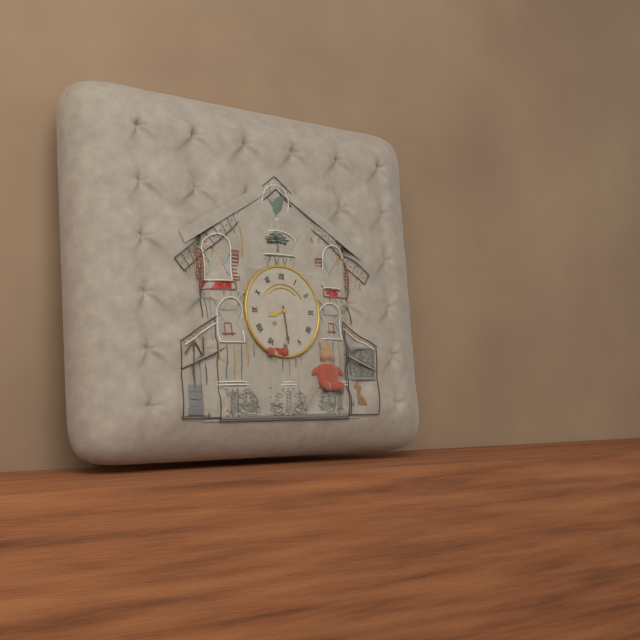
8 h 29 min
